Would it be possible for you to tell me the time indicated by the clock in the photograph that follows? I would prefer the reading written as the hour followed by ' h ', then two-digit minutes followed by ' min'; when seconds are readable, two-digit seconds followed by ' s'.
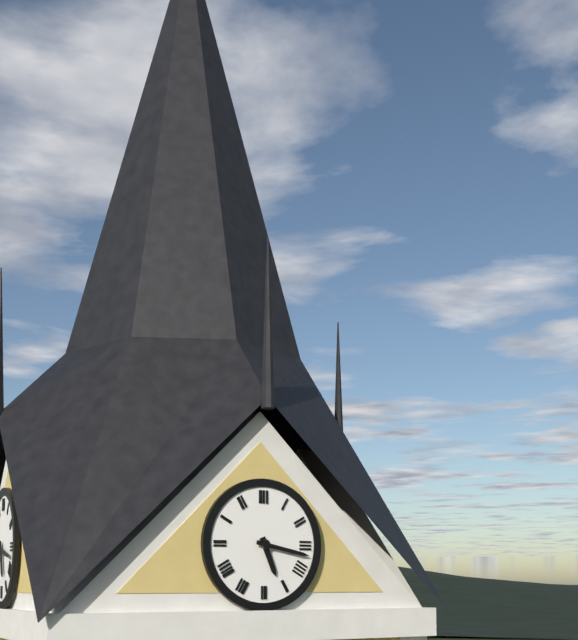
5 h 17 min
